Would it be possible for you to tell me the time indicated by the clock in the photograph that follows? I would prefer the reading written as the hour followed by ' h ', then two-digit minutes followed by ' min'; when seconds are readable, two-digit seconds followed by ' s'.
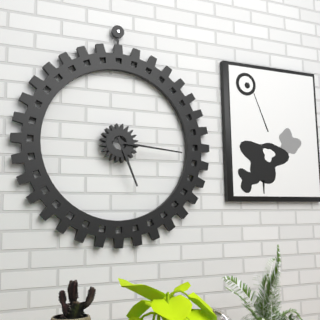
5 h 16 min
